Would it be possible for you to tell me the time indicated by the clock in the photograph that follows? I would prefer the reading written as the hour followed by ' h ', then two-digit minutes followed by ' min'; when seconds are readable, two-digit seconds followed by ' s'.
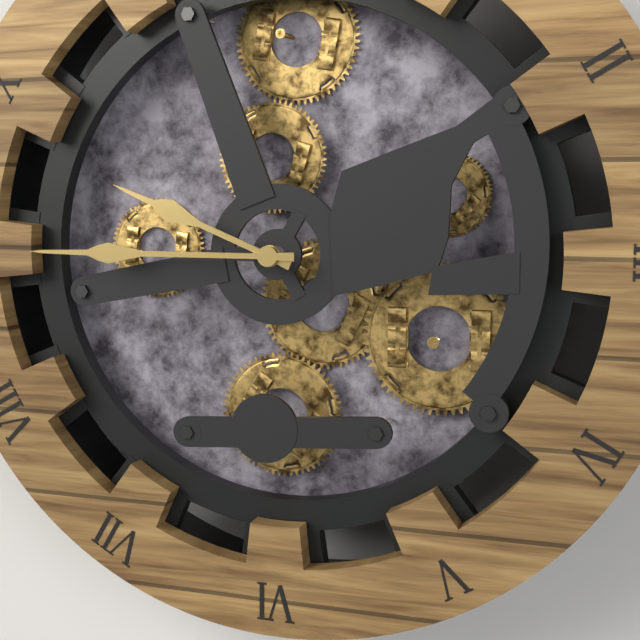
9 h 45 min
